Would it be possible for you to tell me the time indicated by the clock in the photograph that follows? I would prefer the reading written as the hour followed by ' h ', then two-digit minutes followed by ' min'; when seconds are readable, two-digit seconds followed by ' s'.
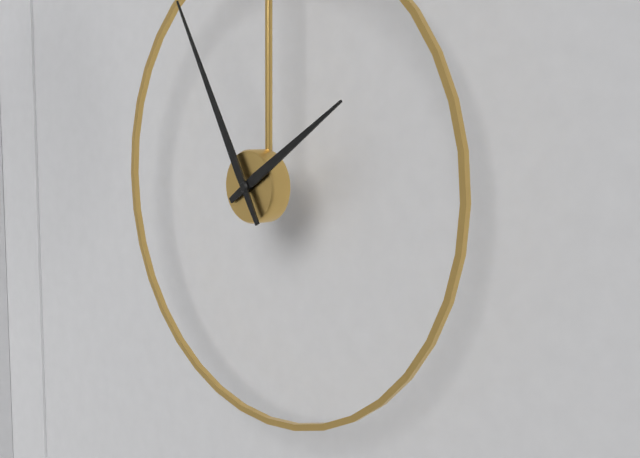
1 h 55 min
